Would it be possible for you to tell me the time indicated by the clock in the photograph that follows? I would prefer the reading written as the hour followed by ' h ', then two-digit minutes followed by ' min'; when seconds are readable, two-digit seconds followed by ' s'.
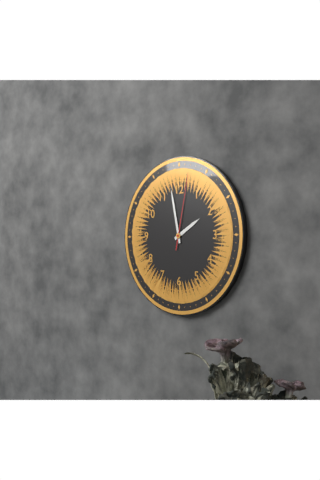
1 h 58 min 02 s
